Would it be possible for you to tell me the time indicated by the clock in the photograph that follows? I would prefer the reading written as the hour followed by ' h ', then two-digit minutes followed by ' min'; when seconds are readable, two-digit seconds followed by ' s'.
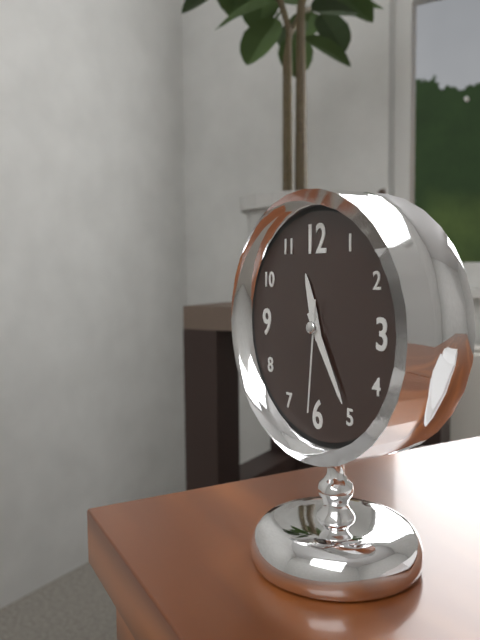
11 h 25 min 31 s
